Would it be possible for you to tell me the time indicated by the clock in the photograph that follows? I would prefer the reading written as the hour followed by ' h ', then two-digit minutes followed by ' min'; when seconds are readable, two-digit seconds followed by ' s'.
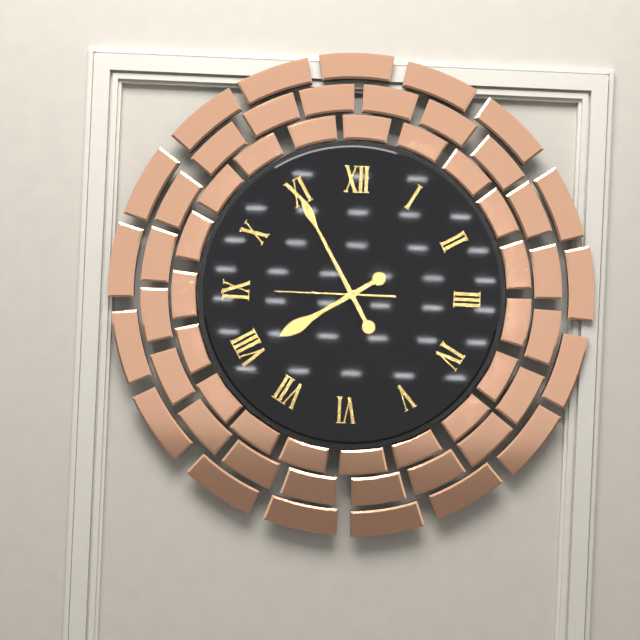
7 h 55 min 45 s
